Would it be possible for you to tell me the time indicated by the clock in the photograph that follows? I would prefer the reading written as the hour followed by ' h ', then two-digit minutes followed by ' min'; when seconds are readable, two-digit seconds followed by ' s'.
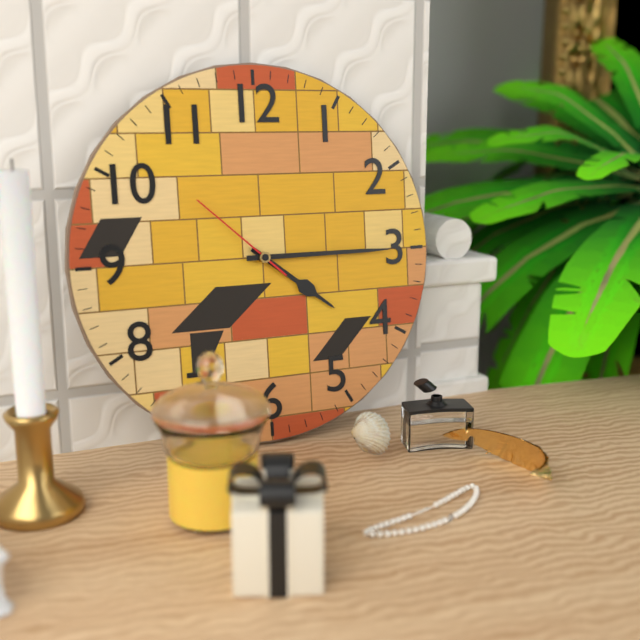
4 h 15 min 52 s
